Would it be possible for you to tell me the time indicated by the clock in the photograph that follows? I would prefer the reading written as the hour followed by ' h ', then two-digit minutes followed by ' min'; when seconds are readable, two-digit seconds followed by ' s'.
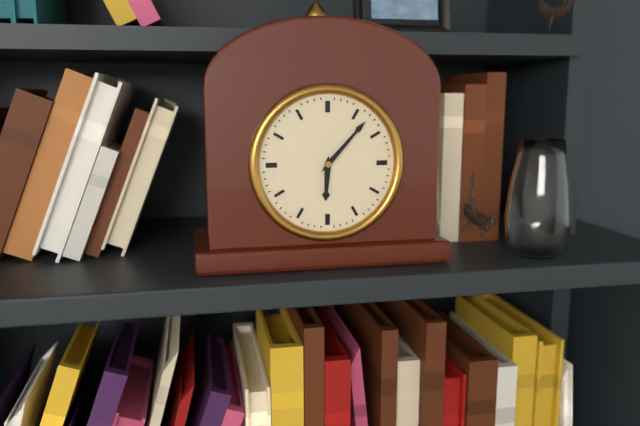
6 h 07 min
